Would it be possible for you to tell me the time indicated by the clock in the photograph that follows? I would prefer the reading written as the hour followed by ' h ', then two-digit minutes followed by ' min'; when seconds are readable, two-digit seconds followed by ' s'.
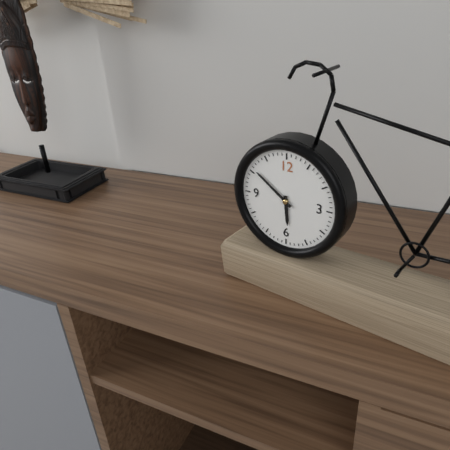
5 h 51 min
